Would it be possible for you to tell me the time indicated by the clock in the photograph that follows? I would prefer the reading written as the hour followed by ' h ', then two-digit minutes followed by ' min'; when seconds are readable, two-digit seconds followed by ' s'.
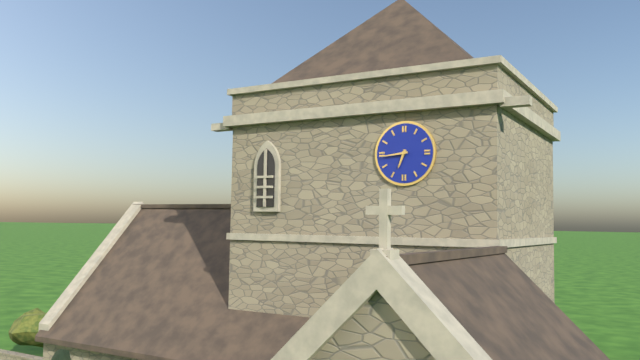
6 h 44 min
